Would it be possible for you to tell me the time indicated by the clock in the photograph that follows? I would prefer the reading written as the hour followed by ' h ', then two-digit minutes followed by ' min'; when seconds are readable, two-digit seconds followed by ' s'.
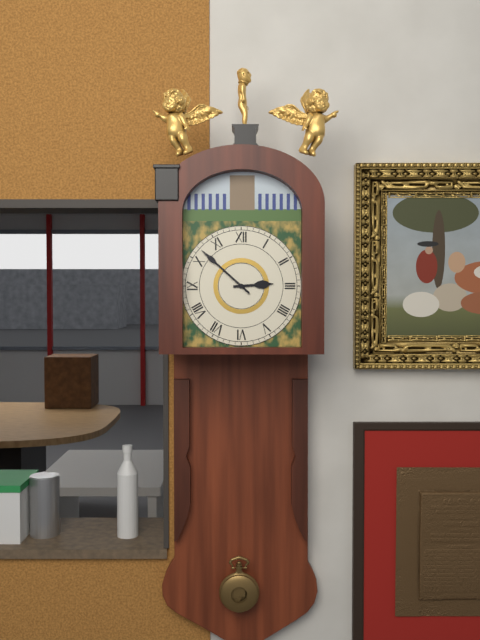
2 h 52 min
